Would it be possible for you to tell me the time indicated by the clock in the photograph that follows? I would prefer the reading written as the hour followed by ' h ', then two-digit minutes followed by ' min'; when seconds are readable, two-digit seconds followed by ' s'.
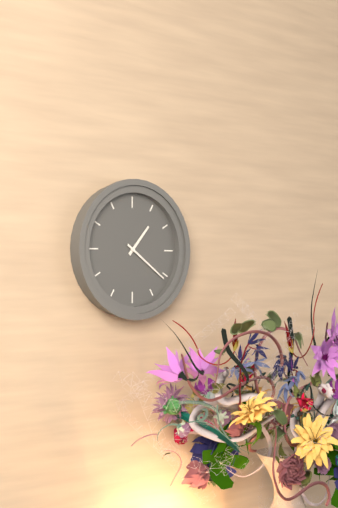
1 h 21 min
